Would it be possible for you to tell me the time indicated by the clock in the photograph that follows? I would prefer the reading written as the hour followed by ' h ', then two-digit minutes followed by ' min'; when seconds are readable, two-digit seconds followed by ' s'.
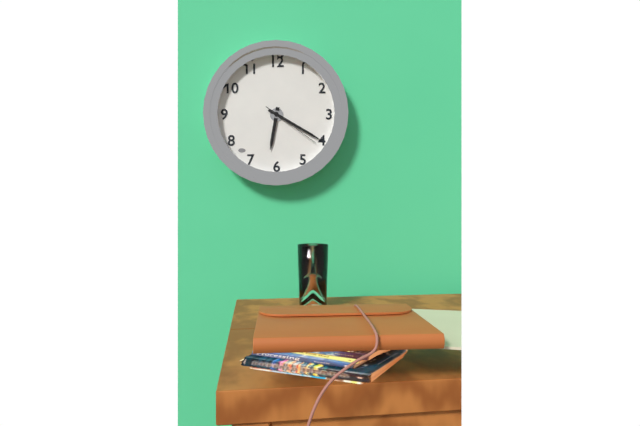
6 h 20 min 21 s
